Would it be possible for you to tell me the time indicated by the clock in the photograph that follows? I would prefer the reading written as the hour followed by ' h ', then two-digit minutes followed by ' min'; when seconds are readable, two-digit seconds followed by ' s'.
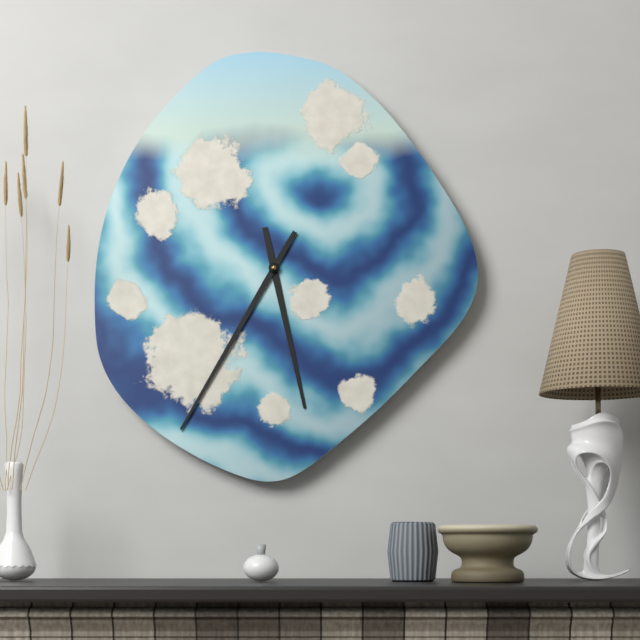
5 h 35 min
